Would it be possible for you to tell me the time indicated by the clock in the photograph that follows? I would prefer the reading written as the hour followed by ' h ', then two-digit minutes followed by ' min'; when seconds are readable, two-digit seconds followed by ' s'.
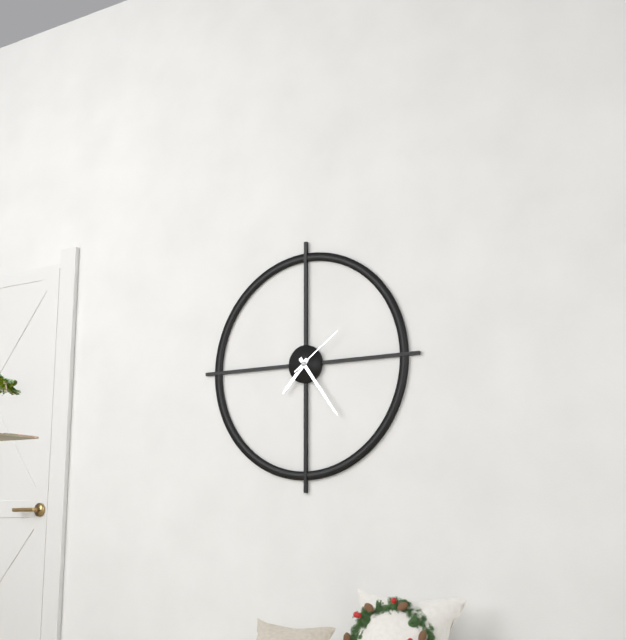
7 h 24 min 09 s
